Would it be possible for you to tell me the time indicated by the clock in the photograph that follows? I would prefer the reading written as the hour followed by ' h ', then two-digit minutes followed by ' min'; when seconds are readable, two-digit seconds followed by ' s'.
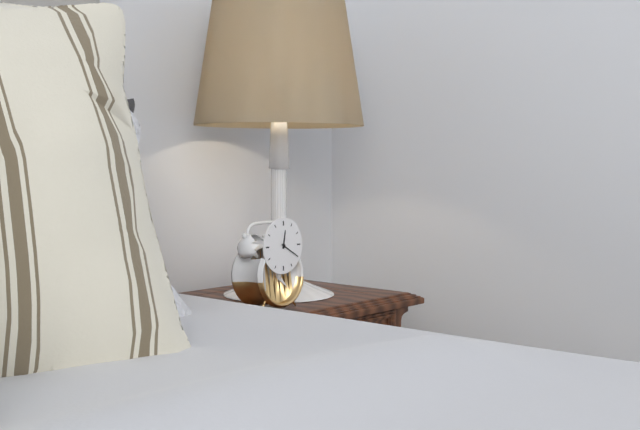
12 h 20 min
